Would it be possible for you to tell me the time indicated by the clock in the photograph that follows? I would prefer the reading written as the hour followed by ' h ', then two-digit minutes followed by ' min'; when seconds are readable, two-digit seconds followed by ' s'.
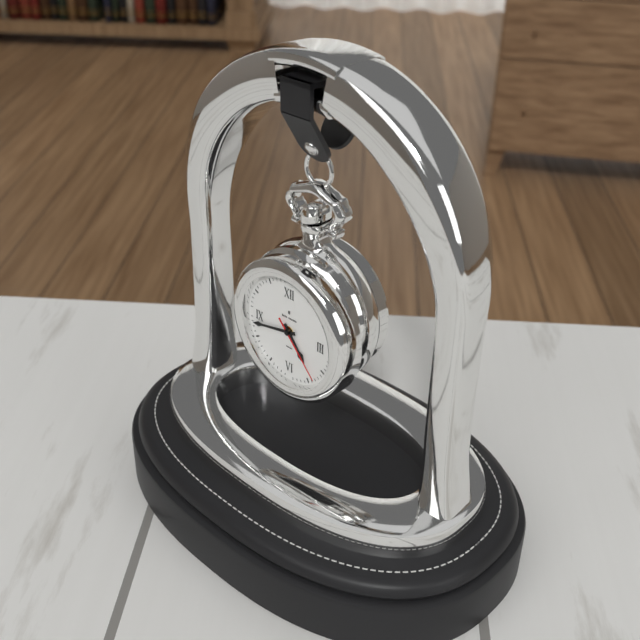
4 h 43 min 23 s
